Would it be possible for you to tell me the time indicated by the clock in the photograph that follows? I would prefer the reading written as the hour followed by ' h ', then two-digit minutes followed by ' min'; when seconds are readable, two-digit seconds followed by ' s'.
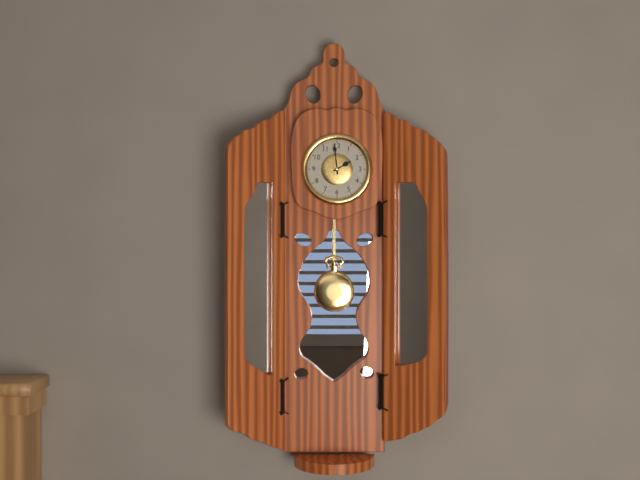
1 h 59 min
